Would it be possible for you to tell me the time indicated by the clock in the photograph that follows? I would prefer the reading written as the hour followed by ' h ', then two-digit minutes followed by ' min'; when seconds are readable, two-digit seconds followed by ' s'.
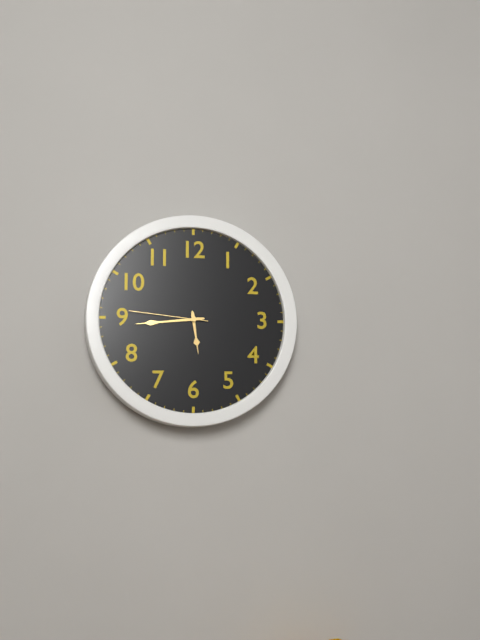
5 h 44 min 46 s
